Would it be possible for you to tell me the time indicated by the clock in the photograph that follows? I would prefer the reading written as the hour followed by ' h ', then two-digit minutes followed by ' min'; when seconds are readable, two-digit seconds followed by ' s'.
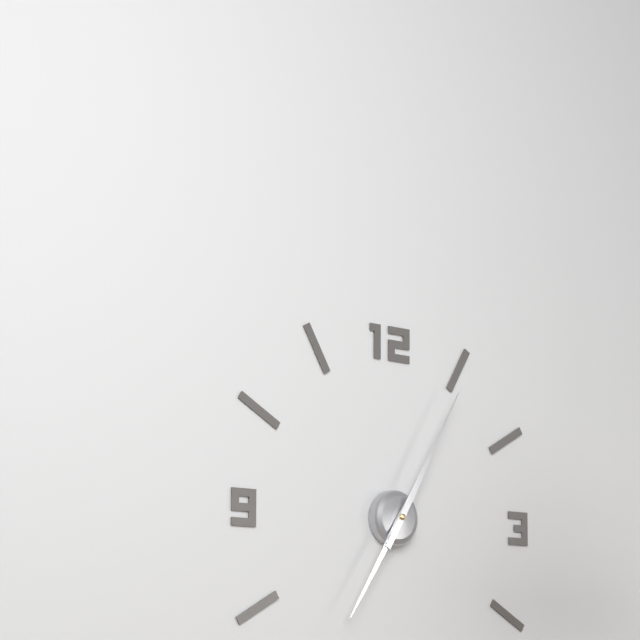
7 h 05 min
